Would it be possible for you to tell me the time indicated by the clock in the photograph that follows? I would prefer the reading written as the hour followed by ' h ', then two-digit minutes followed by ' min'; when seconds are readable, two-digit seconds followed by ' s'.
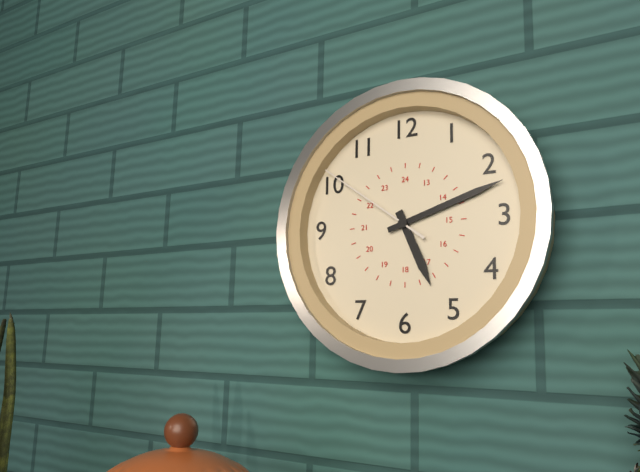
5 h 12 min 51 s
